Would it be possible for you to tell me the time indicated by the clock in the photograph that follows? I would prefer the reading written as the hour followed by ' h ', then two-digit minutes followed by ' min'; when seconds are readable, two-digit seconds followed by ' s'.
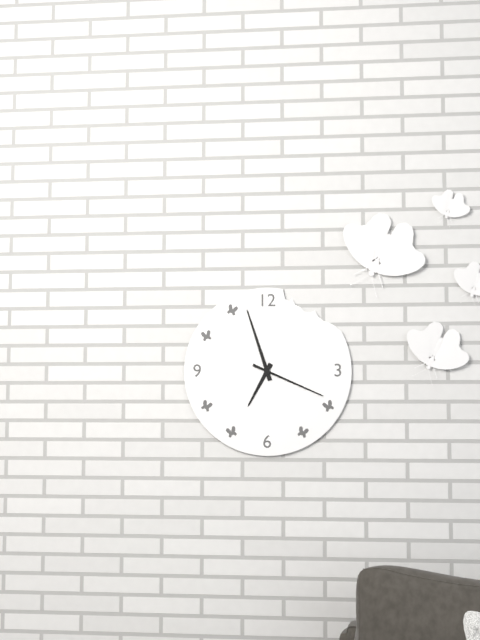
6 h 57 min 19 s
